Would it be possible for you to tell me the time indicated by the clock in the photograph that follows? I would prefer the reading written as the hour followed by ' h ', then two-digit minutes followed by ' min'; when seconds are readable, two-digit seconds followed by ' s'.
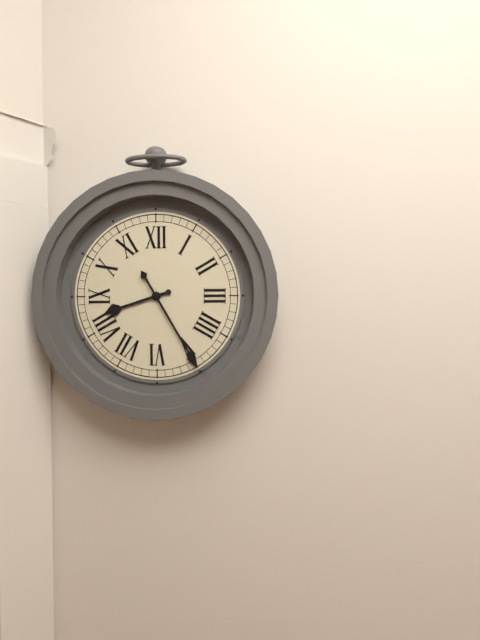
8 h 25 min
